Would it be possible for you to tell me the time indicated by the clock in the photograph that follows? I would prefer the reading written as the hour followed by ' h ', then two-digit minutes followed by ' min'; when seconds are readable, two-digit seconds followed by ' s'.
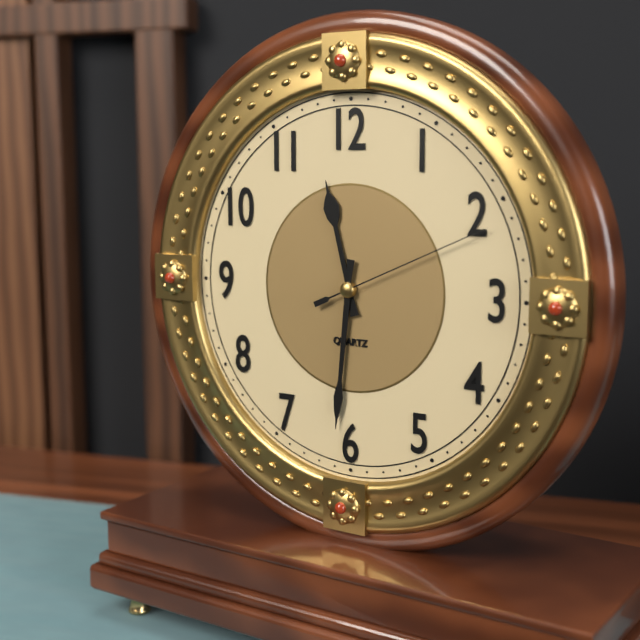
11 h 31 min 11 s
